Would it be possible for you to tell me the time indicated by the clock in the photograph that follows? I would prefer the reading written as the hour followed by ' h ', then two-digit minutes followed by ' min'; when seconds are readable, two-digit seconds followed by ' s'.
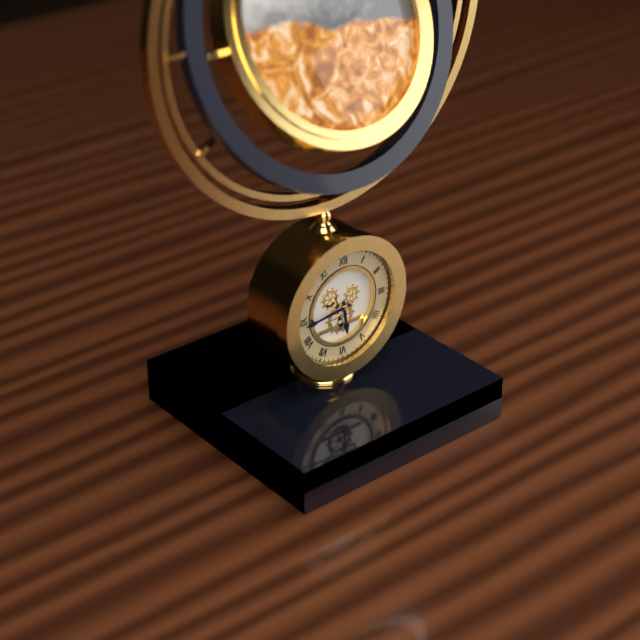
5 h 44 min
